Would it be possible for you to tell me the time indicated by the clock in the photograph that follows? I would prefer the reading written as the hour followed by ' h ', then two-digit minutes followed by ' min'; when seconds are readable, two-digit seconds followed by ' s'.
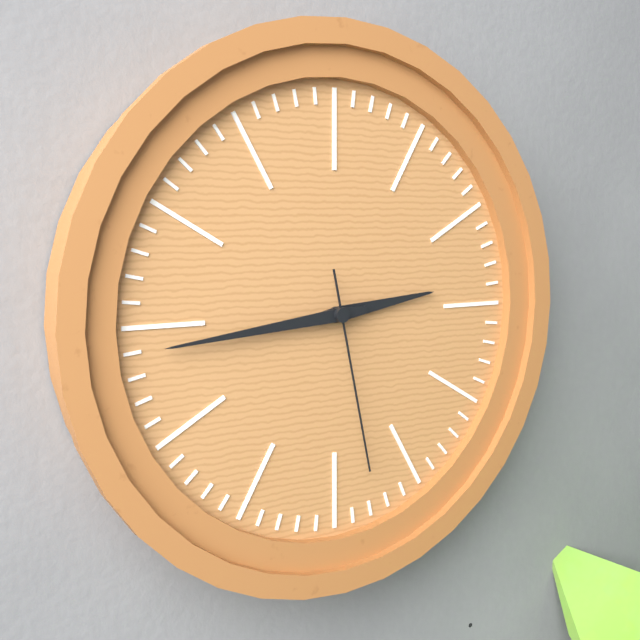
2 h 44 min 28 s
